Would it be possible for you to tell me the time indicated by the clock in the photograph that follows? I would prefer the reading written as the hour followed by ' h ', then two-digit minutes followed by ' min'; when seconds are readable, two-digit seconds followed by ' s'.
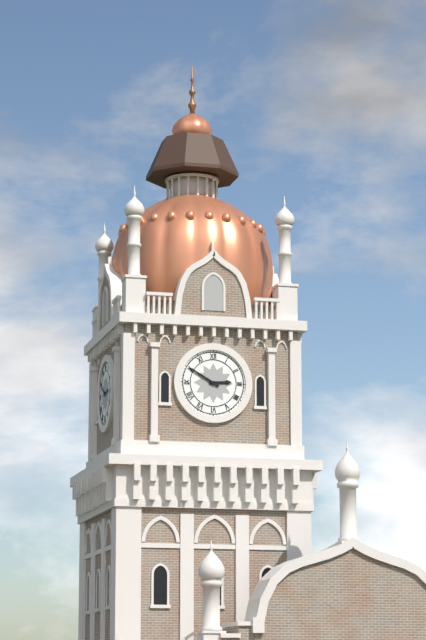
2 h 50 min
